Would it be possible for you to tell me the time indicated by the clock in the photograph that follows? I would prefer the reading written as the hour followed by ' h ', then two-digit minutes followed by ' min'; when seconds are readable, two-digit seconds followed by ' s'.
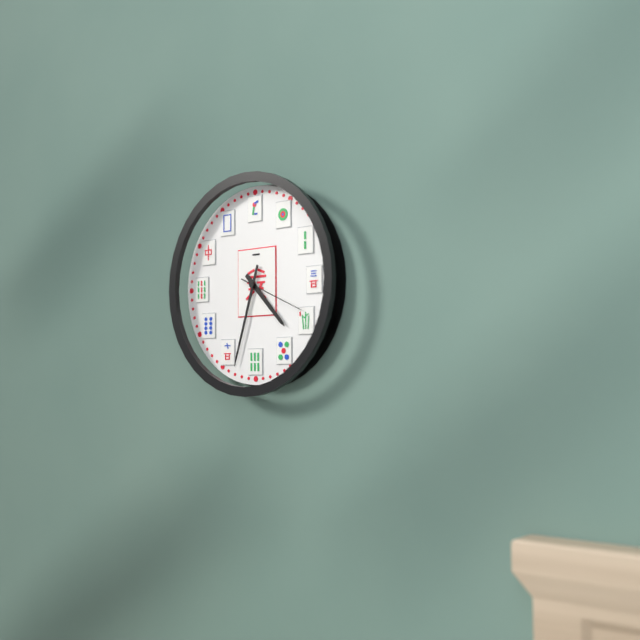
4 h 33 min 19 s
